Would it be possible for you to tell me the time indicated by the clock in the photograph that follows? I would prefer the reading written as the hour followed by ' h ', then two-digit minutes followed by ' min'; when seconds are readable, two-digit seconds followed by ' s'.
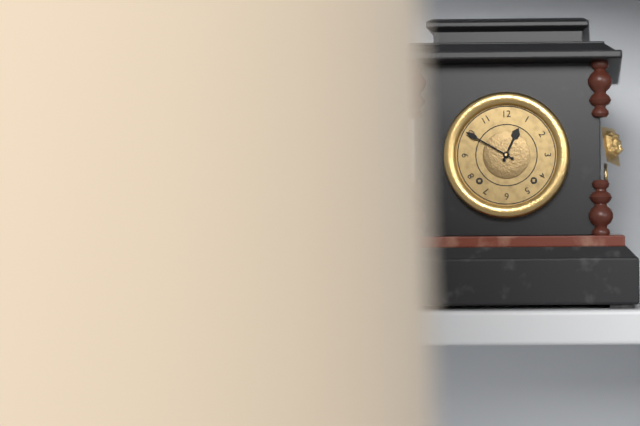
12 h 50 min
